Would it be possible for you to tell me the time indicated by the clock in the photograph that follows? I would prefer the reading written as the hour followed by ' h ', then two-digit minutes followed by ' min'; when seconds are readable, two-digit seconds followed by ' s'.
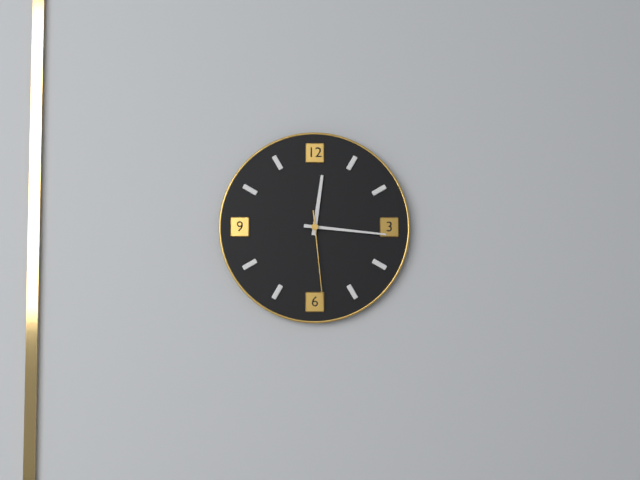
12 h 16 min 29 s
